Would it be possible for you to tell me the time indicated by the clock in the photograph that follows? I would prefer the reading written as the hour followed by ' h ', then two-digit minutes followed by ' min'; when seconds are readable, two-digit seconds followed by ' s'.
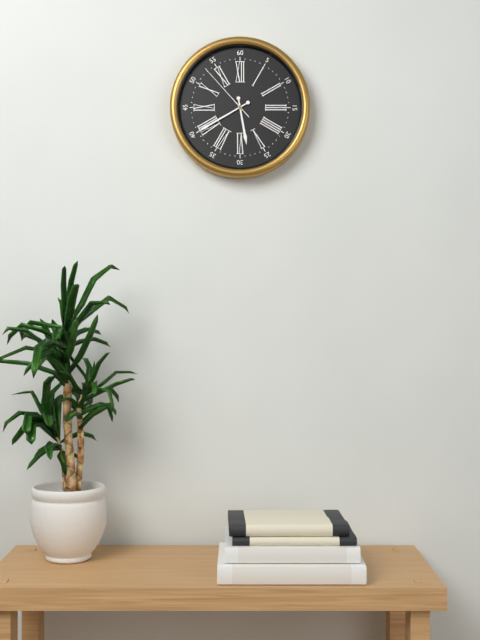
5 h 40 min 53 s
